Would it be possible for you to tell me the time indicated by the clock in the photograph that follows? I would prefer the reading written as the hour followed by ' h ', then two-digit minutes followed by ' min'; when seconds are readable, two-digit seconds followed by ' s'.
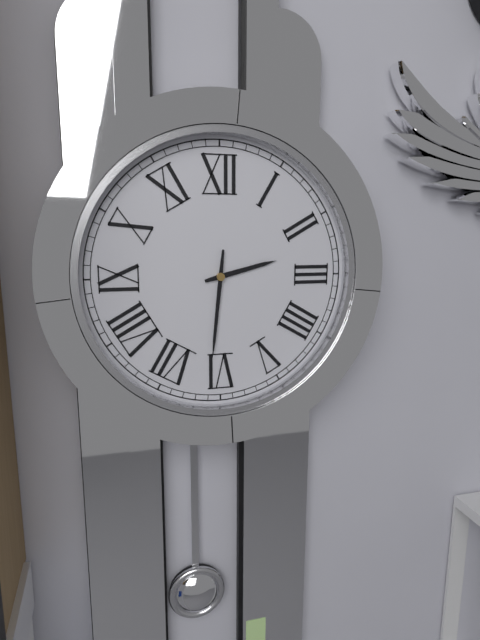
2 h 31 min
